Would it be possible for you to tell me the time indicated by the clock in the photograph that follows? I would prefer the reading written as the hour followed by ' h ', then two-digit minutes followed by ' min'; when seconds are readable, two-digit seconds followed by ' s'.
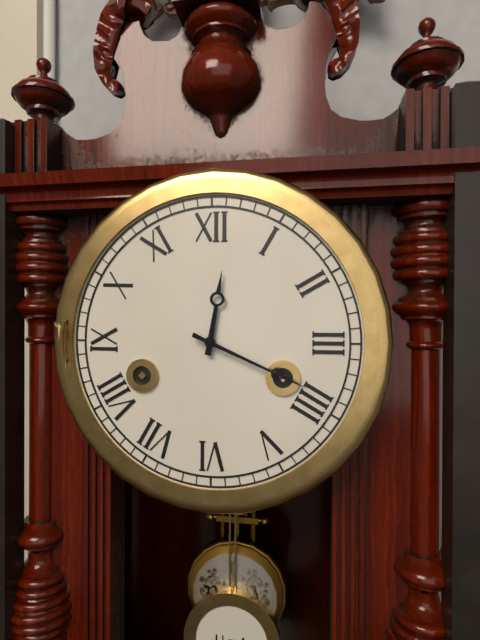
12 h 19 min
